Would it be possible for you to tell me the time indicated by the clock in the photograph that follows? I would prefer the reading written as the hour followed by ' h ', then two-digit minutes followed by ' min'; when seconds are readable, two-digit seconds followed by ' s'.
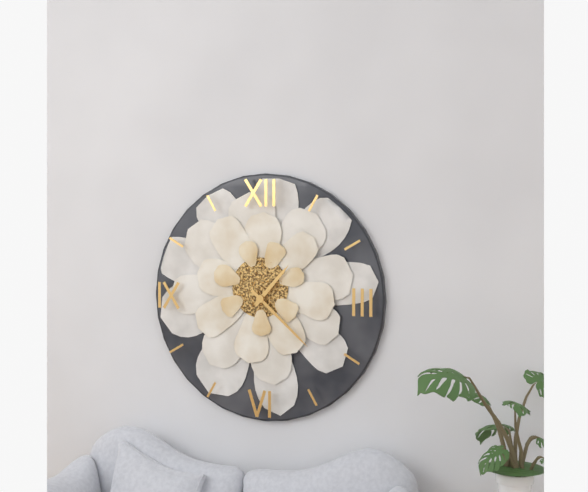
1 h 22 min
